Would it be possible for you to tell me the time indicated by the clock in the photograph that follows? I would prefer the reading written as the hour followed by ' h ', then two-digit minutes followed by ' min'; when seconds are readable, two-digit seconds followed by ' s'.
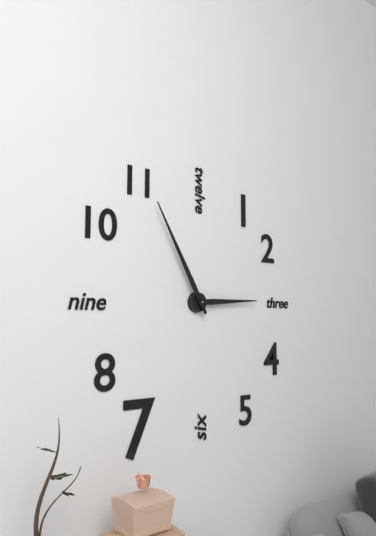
2 h 55 min
